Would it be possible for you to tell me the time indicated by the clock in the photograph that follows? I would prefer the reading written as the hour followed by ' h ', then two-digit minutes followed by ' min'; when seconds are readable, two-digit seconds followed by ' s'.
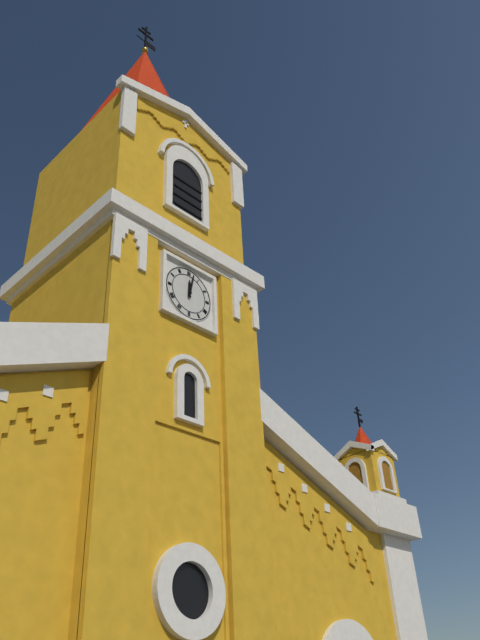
12 h 02 min
